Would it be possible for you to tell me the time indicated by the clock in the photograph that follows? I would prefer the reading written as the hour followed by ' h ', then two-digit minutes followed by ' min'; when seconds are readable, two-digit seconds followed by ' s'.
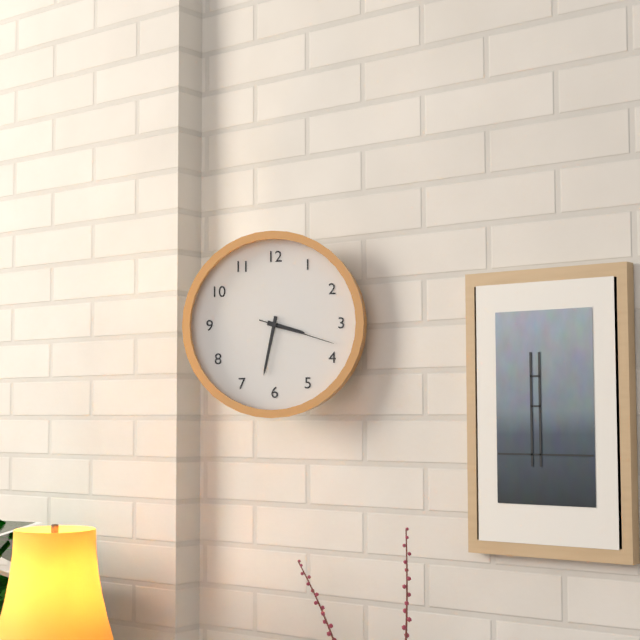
3 h 32 min 18 s
